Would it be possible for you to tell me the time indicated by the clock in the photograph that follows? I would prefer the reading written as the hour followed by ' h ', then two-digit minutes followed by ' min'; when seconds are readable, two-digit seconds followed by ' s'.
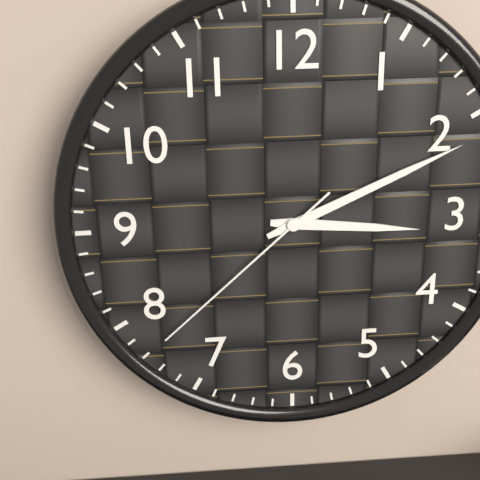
3 h 11 min 38 s
